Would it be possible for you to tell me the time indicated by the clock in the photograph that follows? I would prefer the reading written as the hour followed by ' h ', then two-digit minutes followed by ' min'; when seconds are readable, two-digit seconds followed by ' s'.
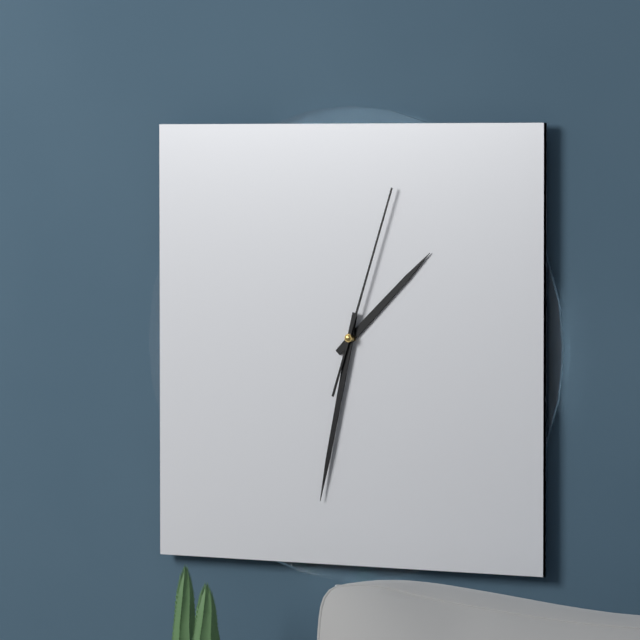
1 h 32 min 03 s
